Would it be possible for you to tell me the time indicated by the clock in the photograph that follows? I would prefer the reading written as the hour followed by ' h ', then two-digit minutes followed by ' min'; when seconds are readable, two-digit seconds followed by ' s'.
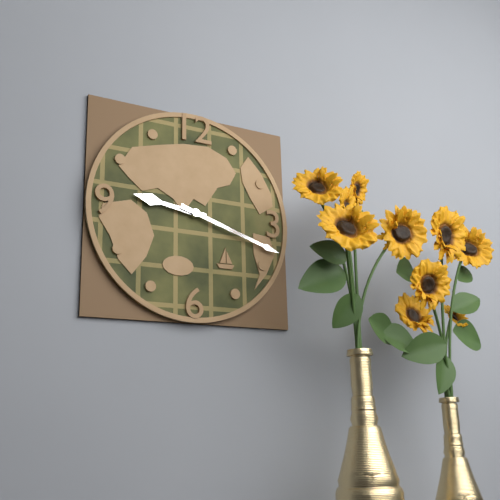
9 h 18 min
